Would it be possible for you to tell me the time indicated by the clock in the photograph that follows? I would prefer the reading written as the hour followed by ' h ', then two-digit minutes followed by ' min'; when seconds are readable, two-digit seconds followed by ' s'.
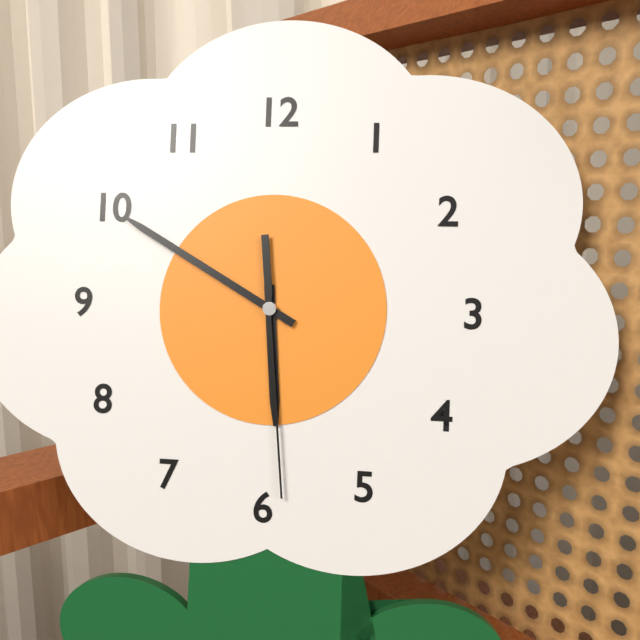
5 h 50 min 29 s
